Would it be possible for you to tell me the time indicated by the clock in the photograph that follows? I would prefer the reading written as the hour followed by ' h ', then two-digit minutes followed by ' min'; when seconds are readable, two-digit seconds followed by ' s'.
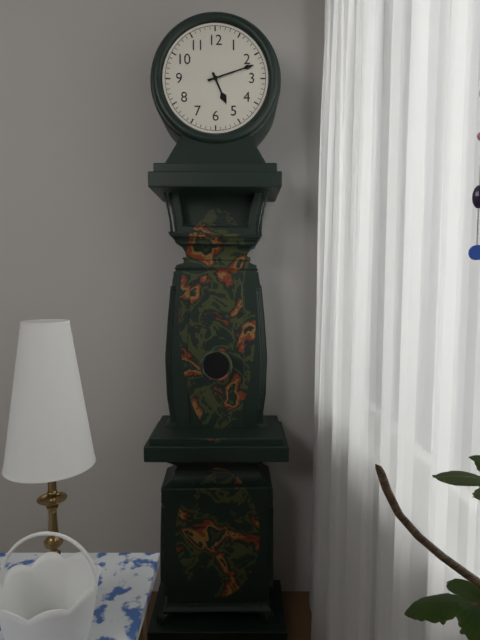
5 h 12 min
